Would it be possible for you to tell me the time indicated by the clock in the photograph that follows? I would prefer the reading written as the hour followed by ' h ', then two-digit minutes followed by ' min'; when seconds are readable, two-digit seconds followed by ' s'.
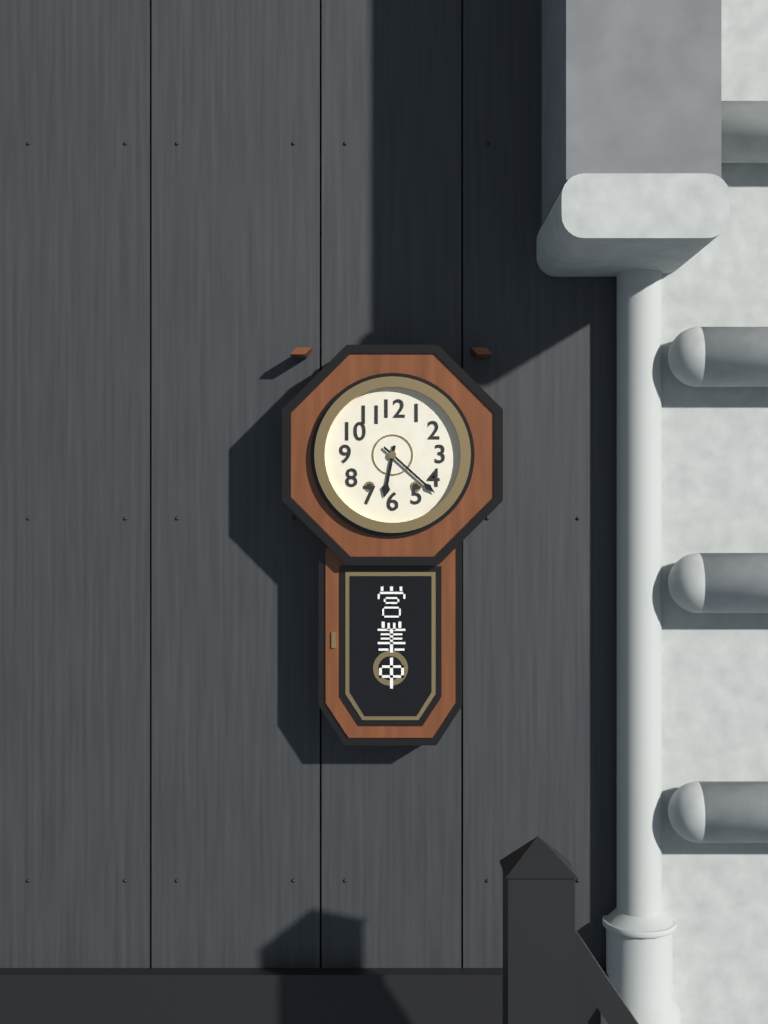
6 h 22 min
